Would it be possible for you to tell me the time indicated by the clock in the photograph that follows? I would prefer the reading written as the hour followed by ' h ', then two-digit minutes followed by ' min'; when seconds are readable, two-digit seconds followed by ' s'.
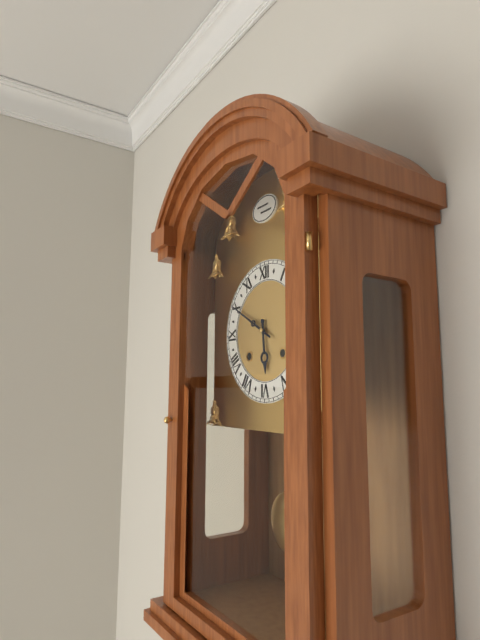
5 h 50 min
